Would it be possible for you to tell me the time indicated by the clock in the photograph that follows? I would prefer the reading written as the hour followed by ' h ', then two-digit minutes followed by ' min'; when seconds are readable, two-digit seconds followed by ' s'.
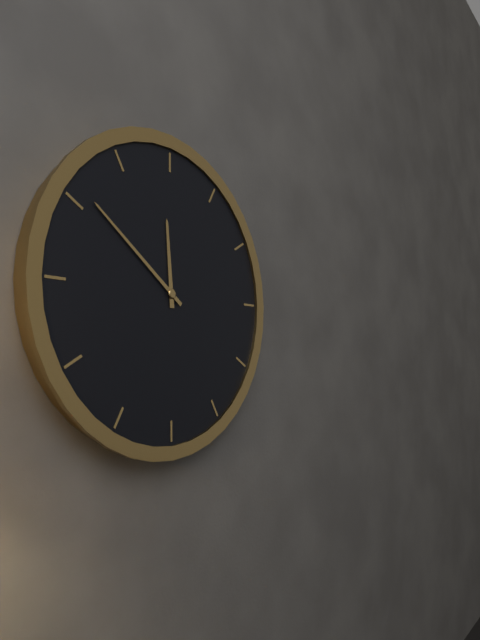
11 h 51 min
